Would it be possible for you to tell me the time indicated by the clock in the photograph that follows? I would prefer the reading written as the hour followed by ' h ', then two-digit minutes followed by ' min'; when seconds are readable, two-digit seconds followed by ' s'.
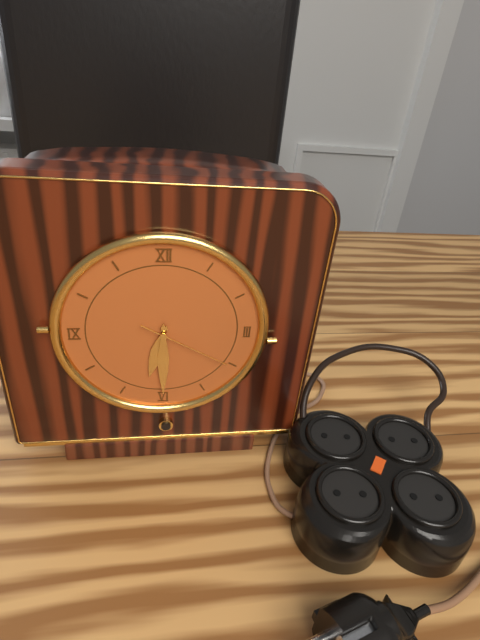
6 h 30 min 20 s
